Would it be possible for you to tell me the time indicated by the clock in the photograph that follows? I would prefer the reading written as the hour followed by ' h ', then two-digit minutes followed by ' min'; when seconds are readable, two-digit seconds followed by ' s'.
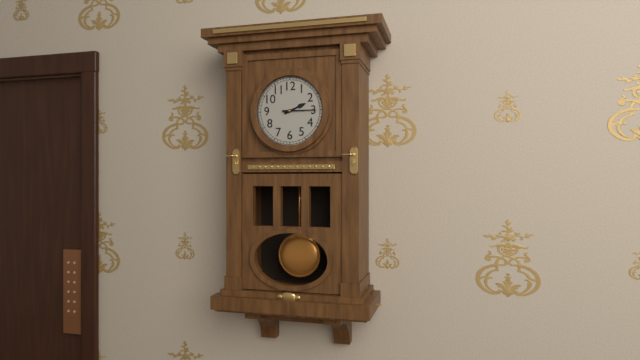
2 h 15 min
